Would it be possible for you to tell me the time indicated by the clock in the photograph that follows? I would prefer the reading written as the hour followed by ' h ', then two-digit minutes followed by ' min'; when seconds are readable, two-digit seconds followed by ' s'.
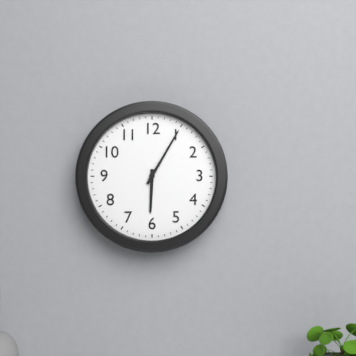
6 h 05 min
